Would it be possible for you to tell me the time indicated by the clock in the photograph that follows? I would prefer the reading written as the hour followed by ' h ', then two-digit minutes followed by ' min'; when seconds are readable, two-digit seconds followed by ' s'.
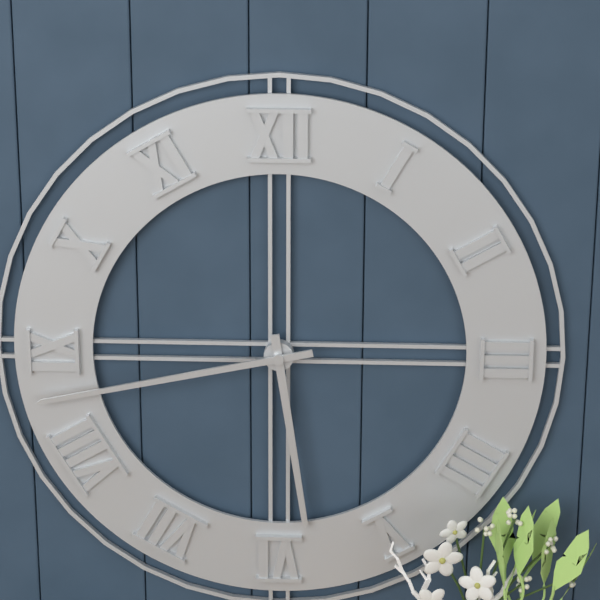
5 h 43 min
